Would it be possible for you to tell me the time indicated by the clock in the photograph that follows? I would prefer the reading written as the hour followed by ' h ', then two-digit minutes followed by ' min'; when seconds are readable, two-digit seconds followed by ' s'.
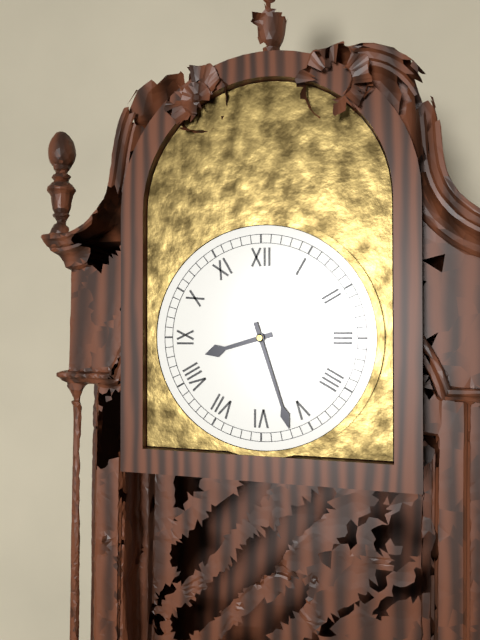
8 h 27 min
